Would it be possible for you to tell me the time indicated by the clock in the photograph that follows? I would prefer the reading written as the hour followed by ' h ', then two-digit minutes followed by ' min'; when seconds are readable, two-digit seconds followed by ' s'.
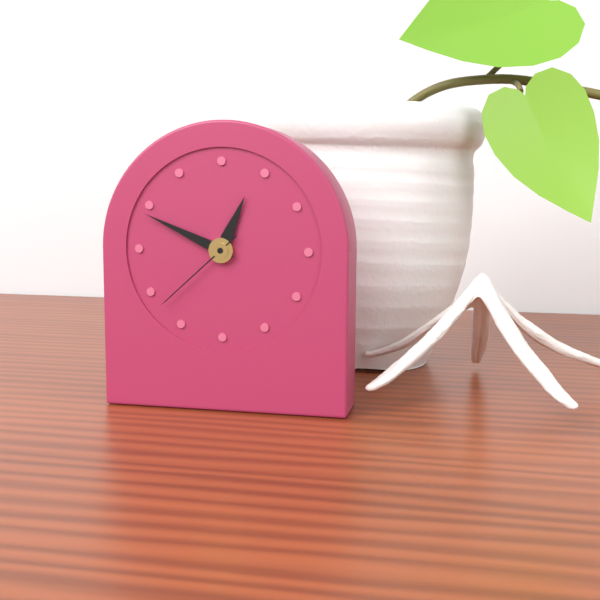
12 h 49 min 38 s
